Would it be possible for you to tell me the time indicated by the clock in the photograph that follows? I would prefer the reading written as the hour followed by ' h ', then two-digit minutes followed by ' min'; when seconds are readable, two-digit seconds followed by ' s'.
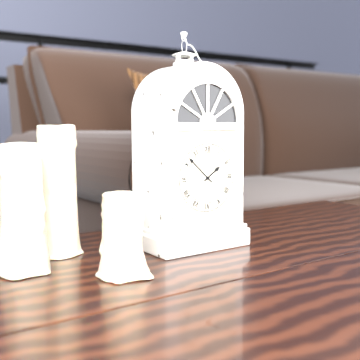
1 h 52 min
